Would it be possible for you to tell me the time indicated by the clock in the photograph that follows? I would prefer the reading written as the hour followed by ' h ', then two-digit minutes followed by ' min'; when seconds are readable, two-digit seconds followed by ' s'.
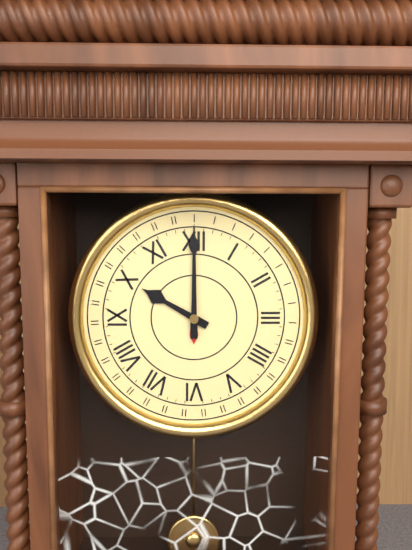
10 h 00 min
